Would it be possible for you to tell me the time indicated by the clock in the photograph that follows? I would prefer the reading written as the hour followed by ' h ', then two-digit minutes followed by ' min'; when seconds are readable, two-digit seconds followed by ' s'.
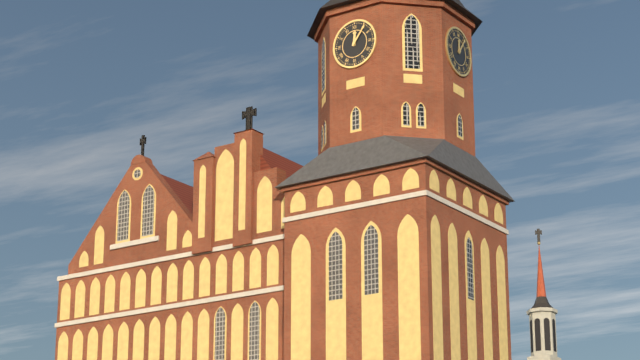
12 h 06 min
